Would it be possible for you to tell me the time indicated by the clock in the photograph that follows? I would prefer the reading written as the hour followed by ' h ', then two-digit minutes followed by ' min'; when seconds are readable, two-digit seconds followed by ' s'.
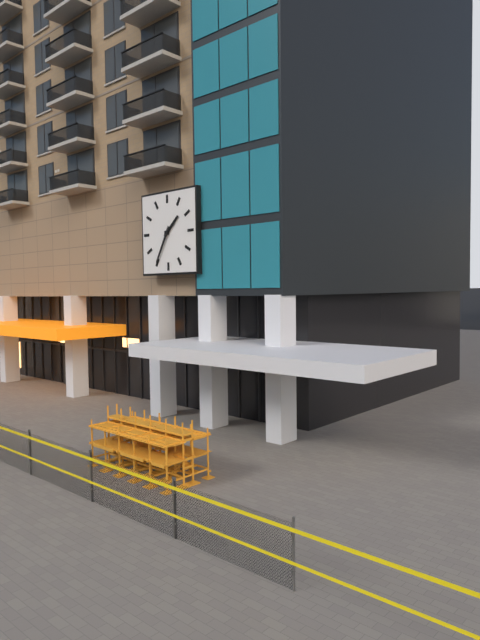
1 h 35 min
